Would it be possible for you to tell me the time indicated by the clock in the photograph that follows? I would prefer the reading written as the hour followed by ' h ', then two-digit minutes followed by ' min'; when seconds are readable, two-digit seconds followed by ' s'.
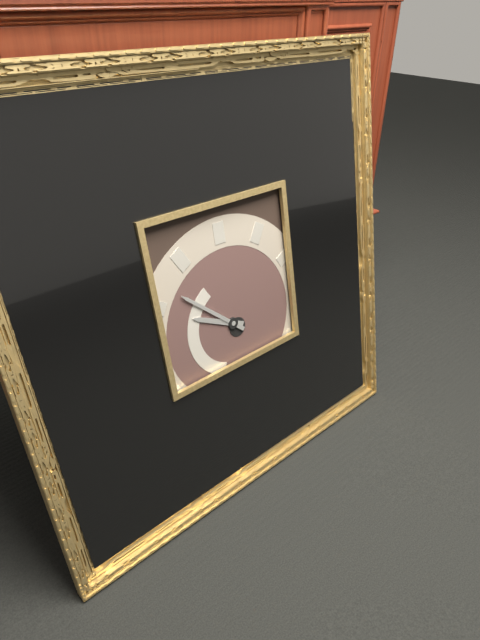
9 h 52 min
